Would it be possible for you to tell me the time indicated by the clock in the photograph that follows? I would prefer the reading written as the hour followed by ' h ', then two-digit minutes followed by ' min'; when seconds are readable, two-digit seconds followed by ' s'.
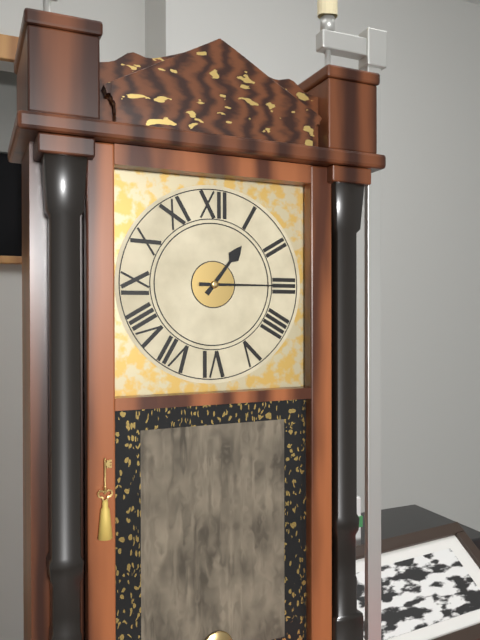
1 h 15 min
